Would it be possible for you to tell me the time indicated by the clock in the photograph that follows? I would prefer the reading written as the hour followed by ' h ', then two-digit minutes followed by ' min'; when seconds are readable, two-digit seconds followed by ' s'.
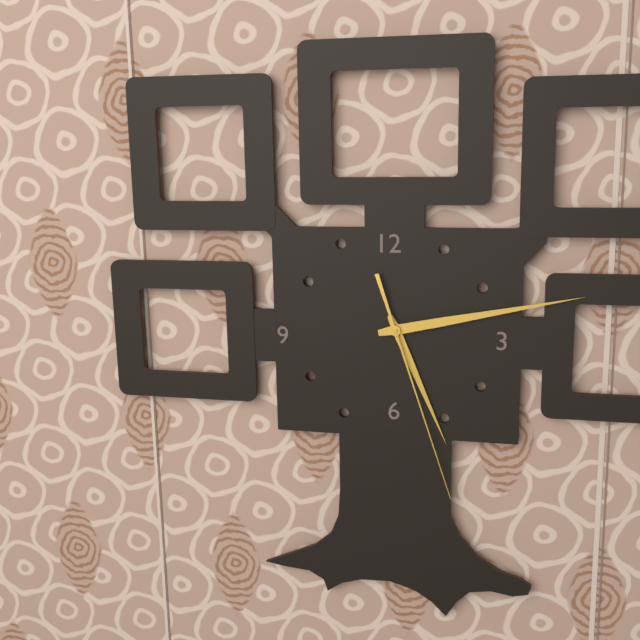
5 h 13 min 27 s
